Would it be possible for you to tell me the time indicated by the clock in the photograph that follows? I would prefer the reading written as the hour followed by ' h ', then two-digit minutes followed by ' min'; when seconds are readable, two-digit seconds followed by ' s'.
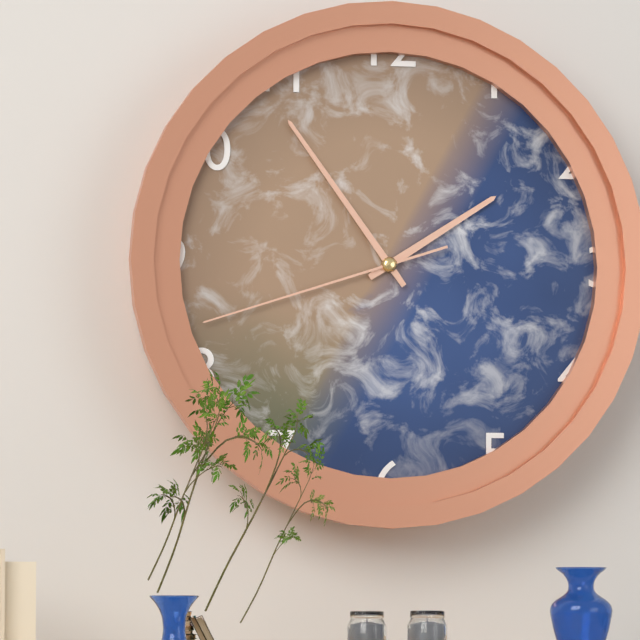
1 h 54 min 42 s
